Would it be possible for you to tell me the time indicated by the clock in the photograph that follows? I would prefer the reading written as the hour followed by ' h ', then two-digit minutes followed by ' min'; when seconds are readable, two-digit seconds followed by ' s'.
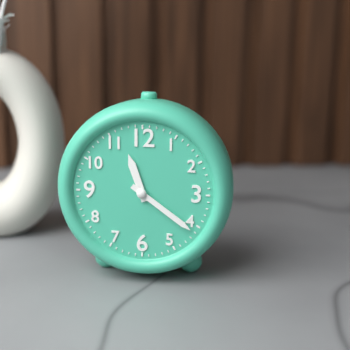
11 h 21 min
